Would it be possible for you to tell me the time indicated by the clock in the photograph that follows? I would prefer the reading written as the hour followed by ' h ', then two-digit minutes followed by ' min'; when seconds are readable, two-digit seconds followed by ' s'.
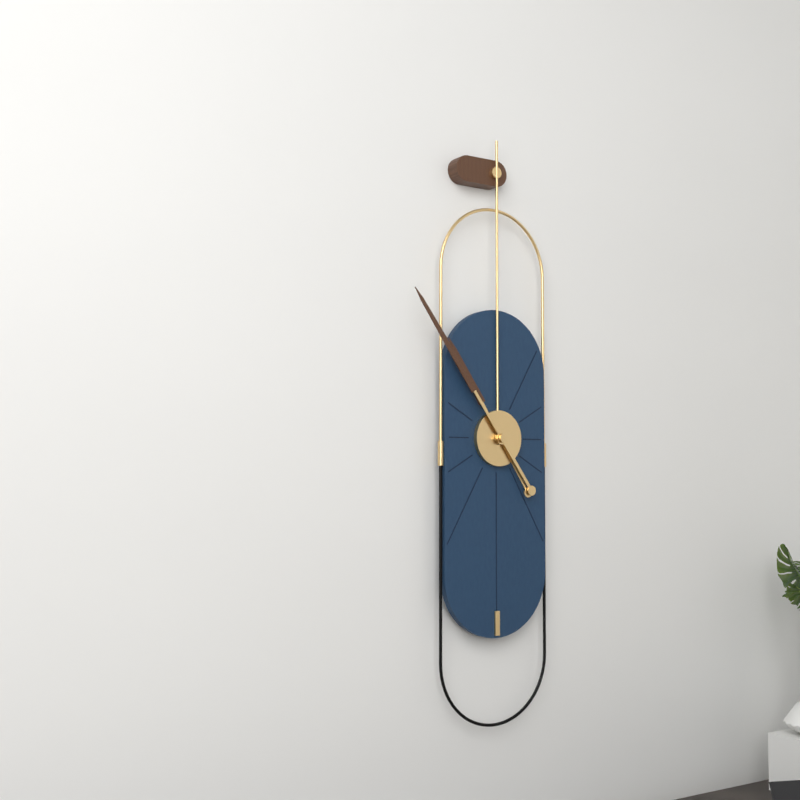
10 h 54 min
